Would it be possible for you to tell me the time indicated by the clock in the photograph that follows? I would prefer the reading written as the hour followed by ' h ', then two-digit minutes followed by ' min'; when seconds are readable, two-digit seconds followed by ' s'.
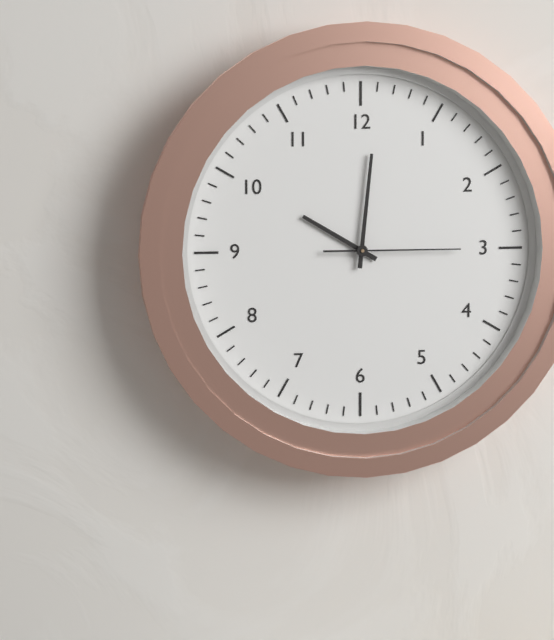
10 h 01 min 15 s
